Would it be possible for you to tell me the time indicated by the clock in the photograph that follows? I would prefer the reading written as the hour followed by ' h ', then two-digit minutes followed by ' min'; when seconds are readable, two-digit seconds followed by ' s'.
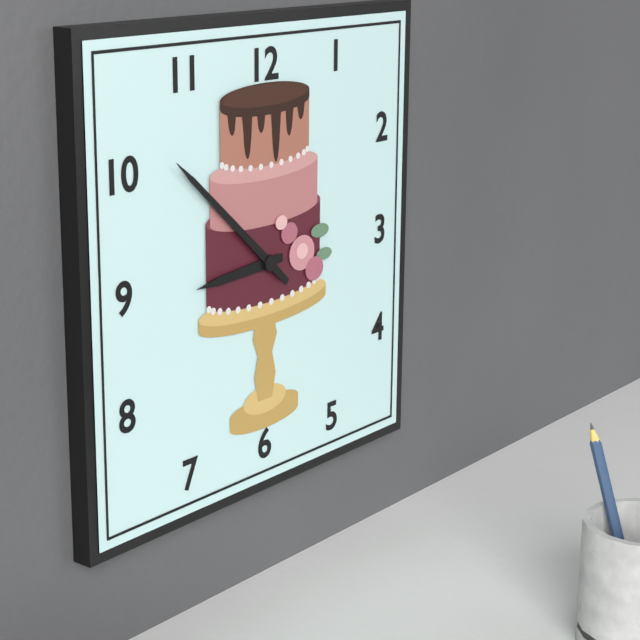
8 h 52 min
